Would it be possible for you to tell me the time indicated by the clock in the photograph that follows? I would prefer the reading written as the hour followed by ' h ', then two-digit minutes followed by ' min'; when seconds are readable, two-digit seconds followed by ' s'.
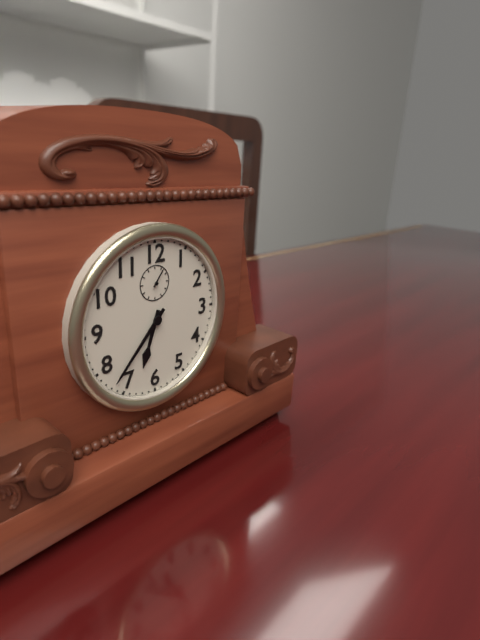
6 h 37 min
